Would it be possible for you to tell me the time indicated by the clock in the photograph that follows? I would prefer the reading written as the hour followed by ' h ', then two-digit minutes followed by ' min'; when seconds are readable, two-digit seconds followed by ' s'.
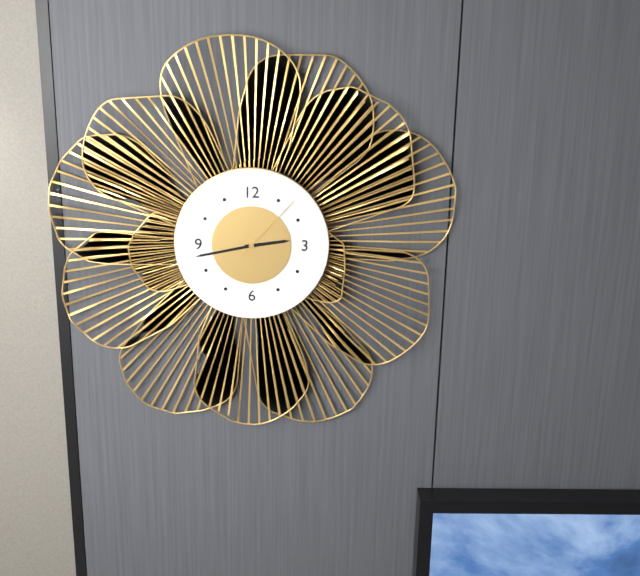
2 h 43 min 07 s
